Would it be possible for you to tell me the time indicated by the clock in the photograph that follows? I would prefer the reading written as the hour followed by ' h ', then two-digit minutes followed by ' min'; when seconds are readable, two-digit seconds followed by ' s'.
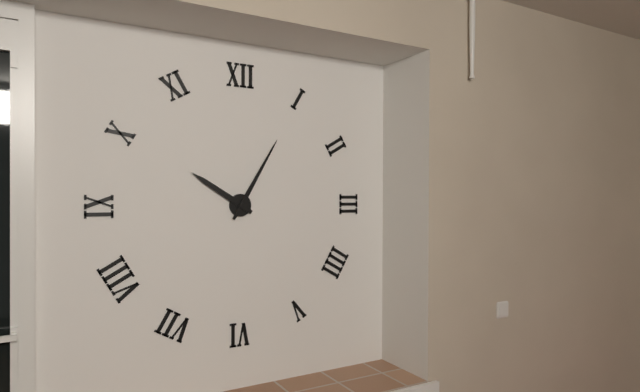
10 h 05 min
